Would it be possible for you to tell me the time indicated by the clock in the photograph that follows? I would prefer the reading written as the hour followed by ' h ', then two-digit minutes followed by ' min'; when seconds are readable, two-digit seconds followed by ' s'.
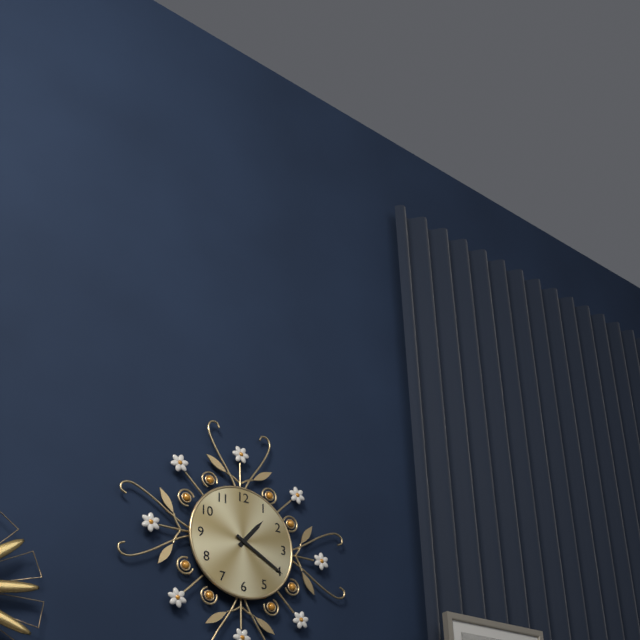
1 h 20 min
